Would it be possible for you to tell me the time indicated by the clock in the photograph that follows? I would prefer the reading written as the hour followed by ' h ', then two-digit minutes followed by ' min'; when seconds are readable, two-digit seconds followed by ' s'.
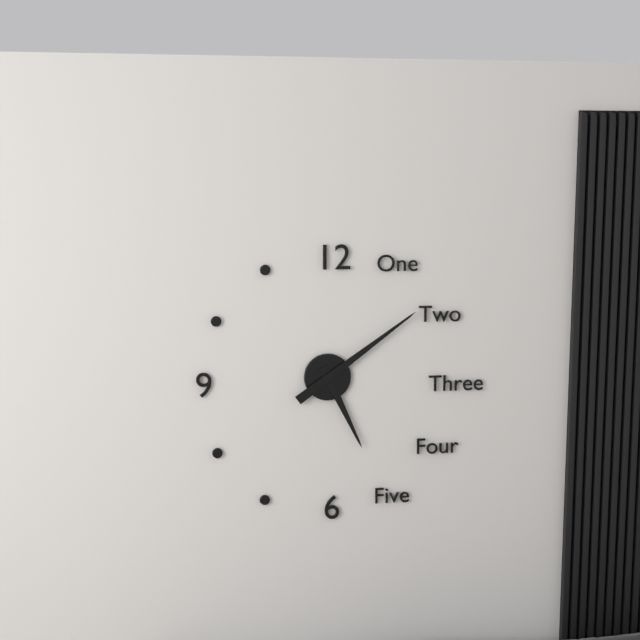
5 h 09 min
